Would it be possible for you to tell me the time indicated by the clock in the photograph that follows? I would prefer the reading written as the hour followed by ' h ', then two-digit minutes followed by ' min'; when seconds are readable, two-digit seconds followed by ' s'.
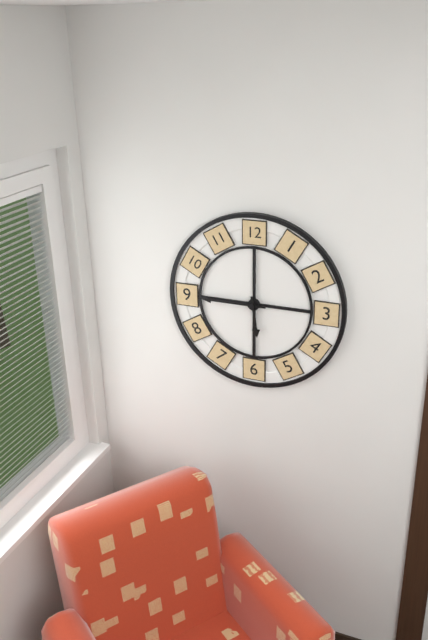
5 h 45 min
